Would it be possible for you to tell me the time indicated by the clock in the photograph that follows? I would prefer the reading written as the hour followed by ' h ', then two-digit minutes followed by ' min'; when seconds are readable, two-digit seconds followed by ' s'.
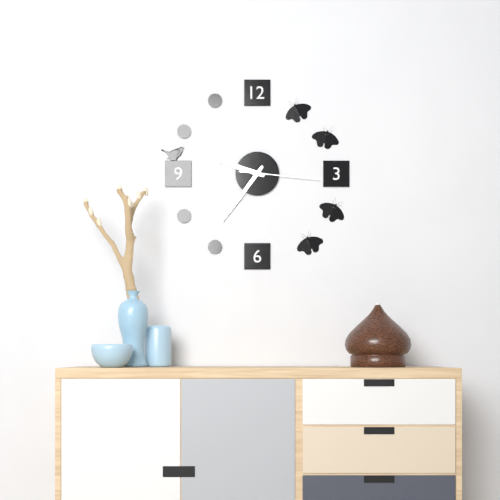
9 h 36 min 16 s
